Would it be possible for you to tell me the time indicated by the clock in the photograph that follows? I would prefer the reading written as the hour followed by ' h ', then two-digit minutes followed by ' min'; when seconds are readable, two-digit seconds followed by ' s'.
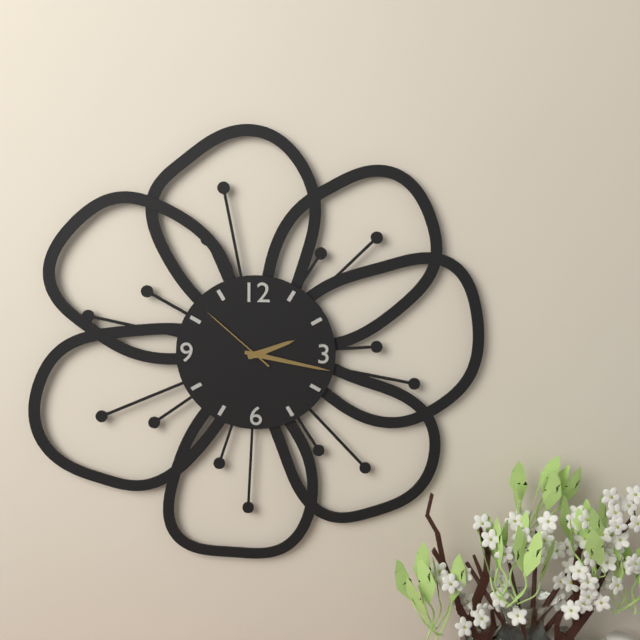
2 h 17 min 52 s
